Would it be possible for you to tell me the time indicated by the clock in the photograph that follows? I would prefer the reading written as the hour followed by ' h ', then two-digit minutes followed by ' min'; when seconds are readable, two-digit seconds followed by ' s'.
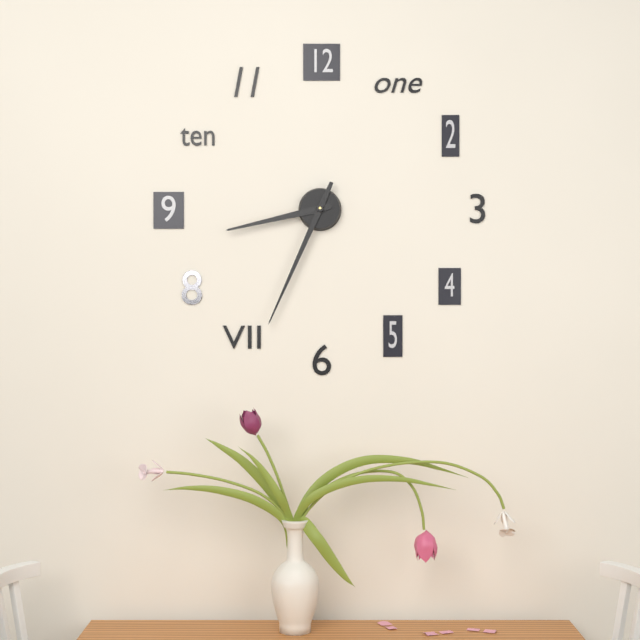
8 h 34 min
